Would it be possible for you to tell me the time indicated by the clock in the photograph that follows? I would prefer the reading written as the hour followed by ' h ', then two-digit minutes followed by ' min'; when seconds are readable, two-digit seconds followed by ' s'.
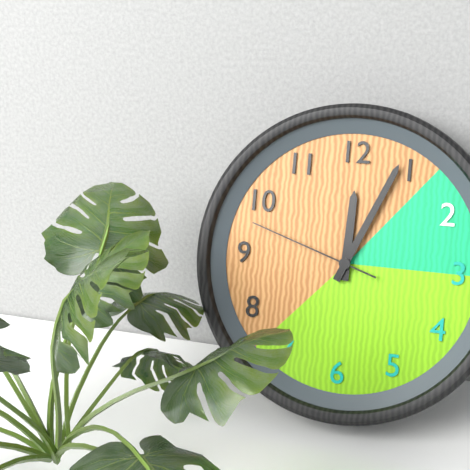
12 h 04 min 48 s
